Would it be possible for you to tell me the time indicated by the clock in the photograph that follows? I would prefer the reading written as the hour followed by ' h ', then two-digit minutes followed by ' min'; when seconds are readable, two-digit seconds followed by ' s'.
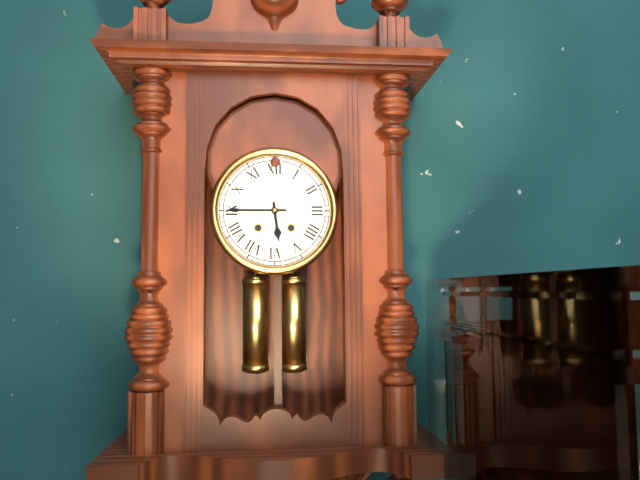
5 h 45 min
